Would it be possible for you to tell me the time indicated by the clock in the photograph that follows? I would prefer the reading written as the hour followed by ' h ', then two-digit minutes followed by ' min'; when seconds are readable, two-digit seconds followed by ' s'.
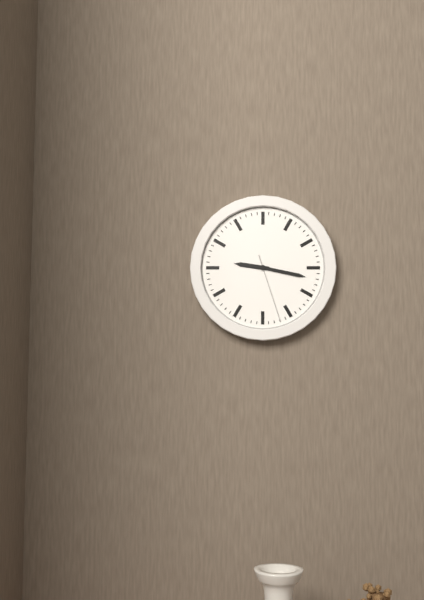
9 h 17 min 27 s
